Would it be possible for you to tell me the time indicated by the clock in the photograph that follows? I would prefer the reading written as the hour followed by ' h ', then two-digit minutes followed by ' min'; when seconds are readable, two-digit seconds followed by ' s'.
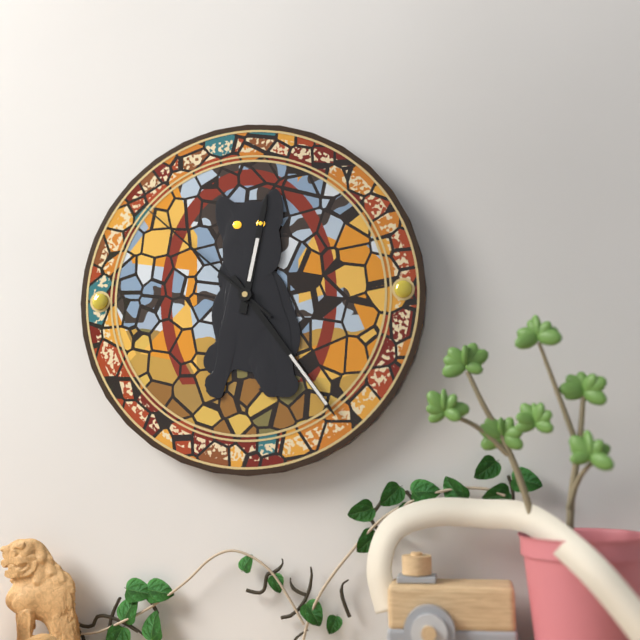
12 h 24 min 52 s
